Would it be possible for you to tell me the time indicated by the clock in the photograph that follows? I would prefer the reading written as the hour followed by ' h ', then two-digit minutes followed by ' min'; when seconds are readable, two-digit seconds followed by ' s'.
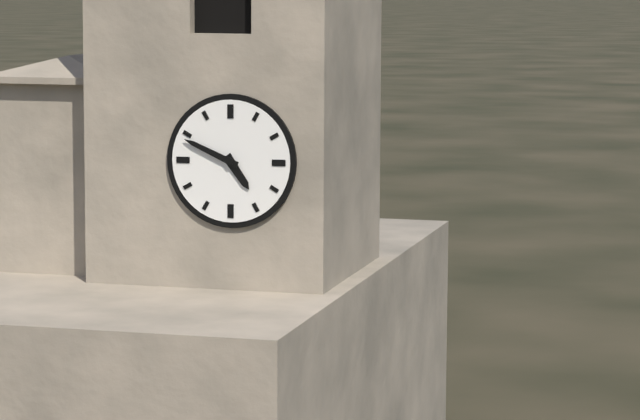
4 h 49 min
